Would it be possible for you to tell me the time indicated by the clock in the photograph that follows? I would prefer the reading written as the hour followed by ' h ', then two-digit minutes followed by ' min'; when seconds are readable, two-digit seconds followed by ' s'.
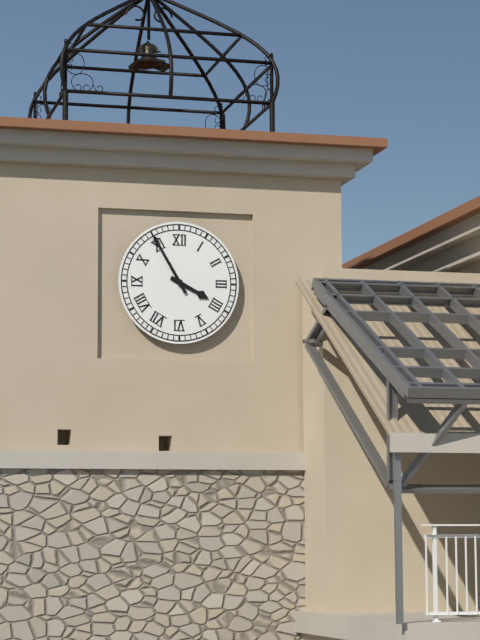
3 h 55 min
